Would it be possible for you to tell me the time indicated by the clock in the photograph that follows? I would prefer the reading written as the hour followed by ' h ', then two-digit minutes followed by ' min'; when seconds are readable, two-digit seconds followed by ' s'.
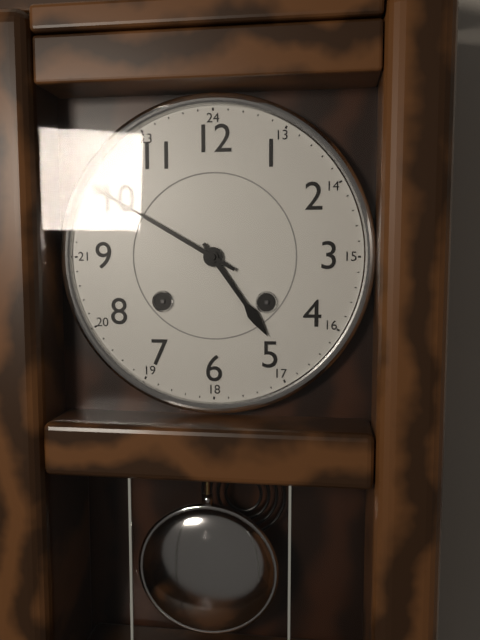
4 h 50 min
